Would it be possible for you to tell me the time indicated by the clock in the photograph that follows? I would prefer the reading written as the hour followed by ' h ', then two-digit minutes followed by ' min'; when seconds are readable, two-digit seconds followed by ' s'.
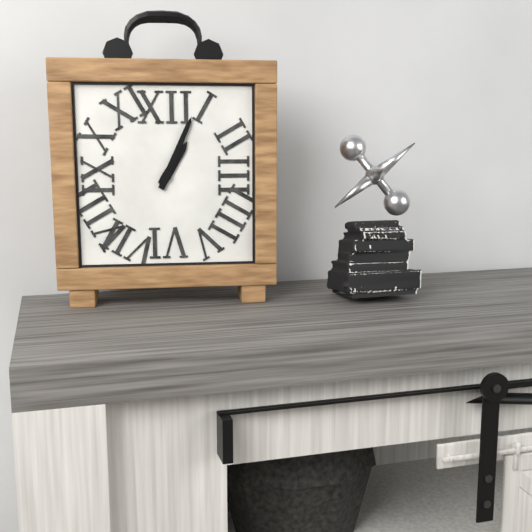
1 h 04 min
